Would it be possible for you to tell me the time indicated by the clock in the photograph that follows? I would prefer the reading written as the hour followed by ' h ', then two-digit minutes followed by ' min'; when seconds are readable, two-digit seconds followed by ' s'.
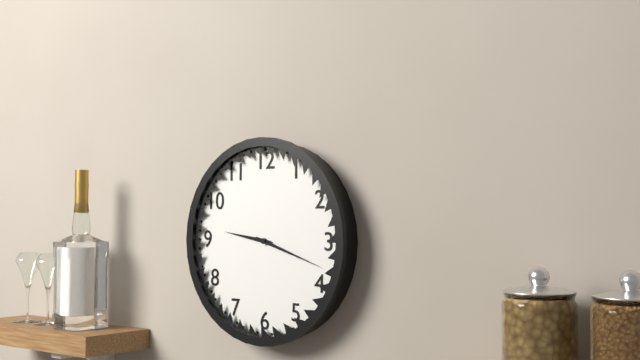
9 h 18 min
